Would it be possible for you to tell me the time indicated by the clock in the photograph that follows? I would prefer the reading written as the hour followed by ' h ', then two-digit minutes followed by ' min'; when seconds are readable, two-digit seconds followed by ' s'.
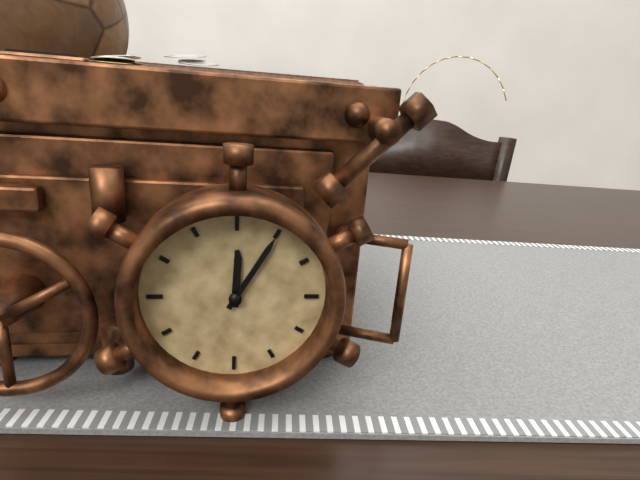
12 h 05 min
